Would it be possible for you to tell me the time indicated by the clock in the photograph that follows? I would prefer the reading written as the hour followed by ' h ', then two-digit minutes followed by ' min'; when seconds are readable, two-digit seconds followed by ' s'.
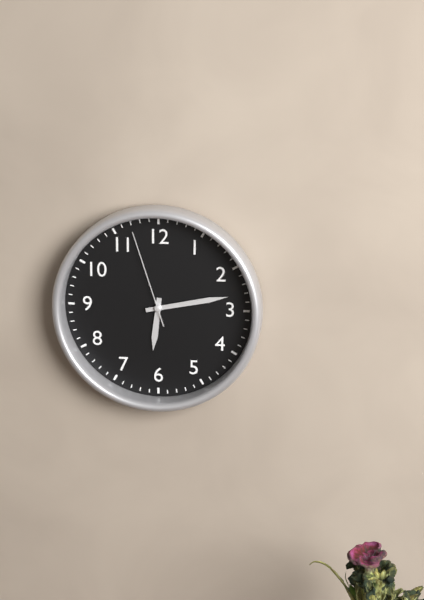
6 h 13 min 57 s
